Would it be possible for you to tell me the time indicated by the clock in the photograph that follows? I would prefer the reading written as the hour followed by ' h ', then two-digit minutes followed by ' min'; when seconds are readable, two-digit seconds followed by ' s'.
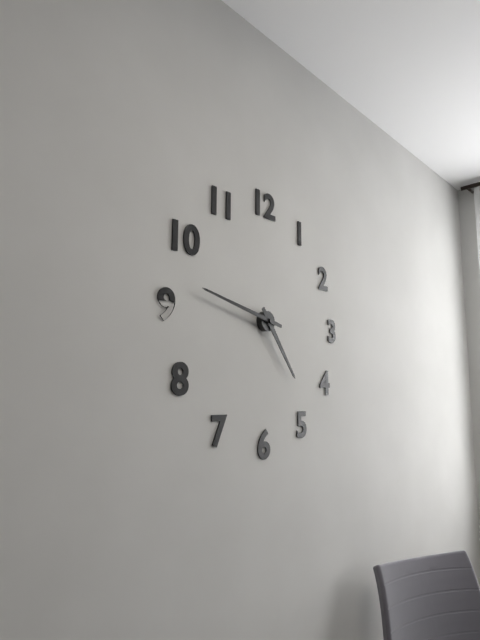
4 h 47 min
